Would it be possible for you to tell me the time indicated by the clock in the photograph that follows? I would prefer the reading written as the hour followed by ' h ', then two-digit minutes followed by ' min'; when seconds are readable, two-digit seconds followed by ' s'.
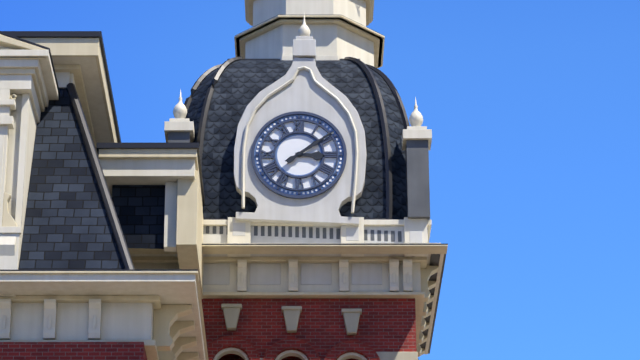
3 h 09 min
